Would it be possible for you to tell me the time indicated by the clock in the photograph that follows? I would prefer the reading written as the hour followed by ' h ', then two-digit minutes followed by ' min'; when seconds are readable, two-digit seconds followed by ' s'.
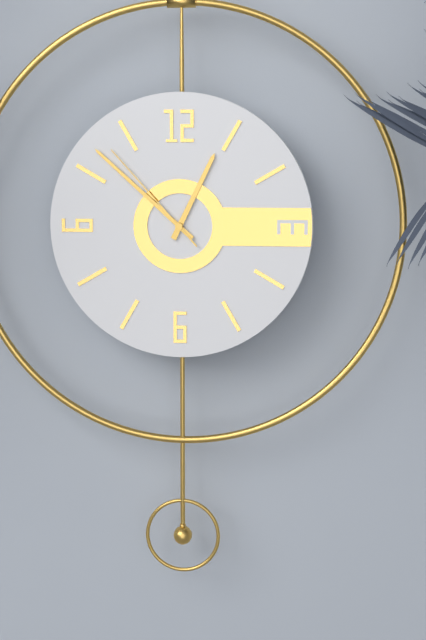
12 h 52 min 53 s
